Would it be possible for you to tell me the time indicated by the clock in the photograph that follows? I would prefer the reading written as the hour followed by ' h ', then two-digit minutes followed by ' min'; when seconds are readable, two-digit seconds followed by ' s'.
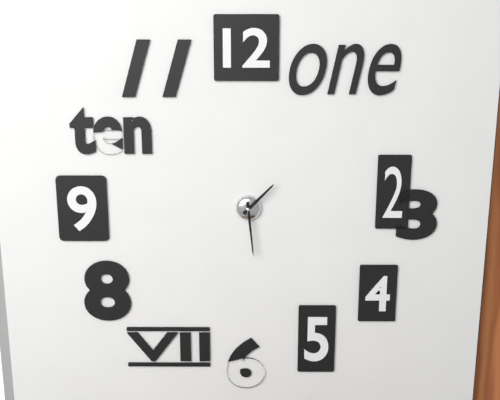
1 h 29 min
